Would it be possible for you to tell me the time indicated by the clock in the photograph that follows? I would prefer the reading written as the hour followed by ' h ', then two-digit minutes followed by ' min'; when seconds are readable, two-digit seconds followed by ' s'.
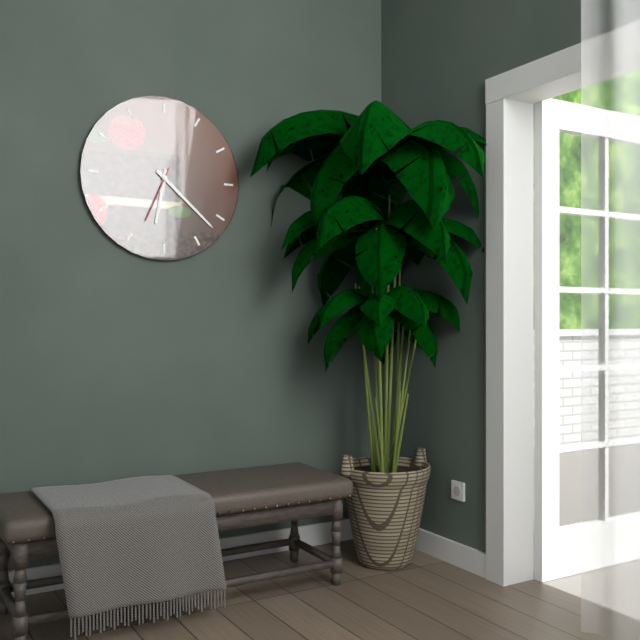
6 h 22 min 34 s
